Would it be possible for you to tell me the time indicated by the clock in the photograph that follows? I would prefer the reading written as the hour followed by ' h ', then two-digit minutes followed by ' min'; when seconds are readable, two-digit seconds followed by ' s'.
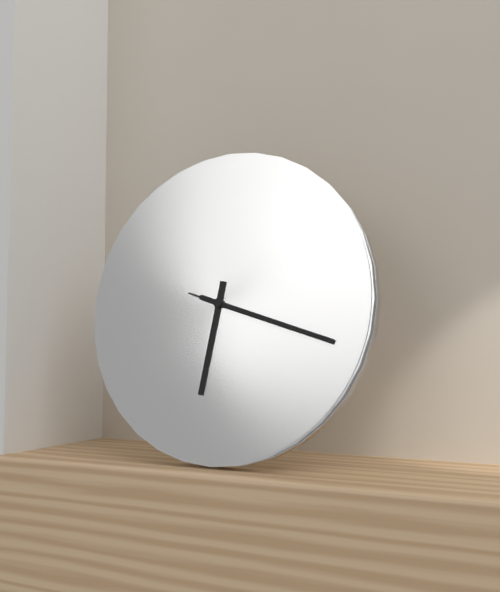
6 h 18 min 18 s
